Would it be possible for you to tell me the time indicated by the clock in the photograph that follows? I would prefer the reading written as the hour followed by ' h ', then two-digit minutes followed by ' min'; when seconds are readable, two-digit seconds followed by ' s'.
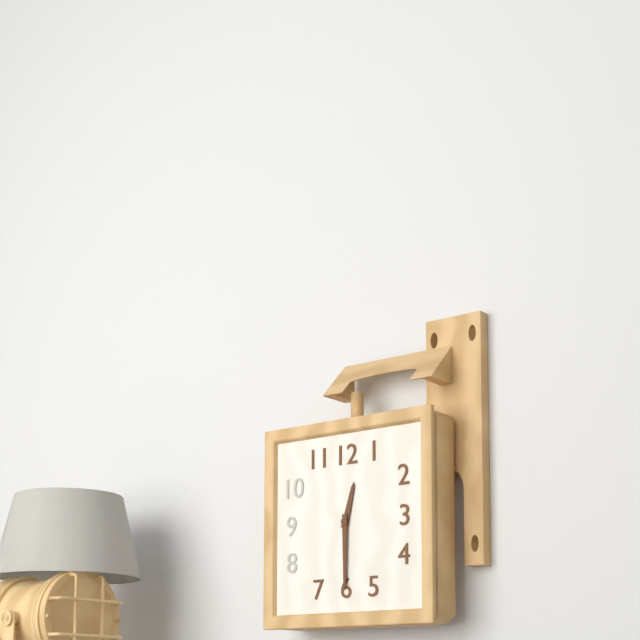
12 h 30 min
